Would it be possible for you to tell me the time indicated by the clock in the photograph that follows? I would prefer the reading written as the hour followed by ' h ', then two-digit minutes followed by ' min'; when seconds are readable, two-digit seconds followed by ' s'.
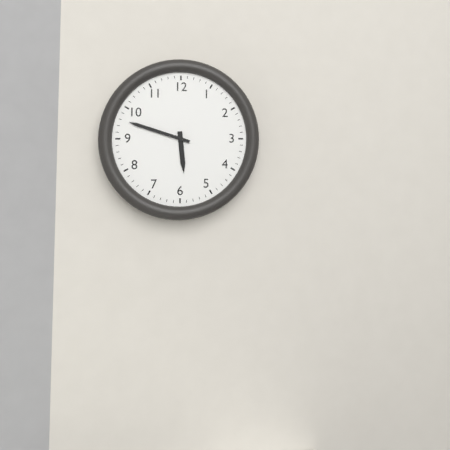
5 h 48 min
